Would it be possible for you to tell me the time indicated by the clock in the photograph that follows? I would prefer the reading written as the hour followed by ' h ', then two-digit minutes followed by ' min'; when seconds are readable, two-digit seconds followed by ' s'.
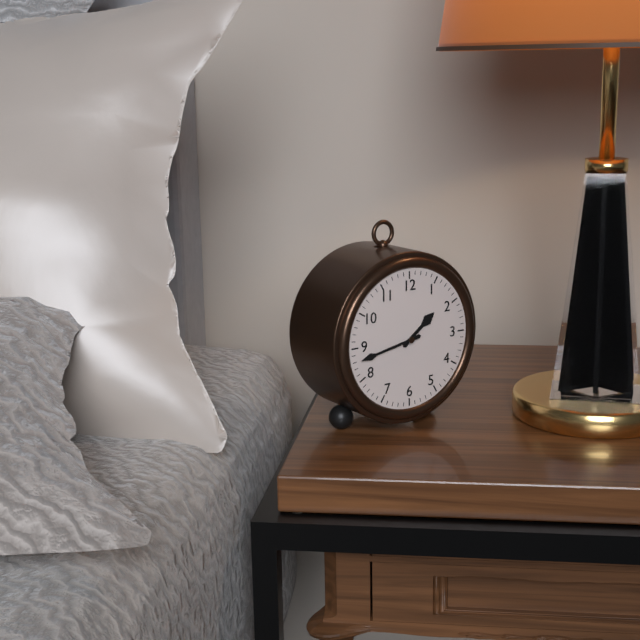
1 h 43 min
